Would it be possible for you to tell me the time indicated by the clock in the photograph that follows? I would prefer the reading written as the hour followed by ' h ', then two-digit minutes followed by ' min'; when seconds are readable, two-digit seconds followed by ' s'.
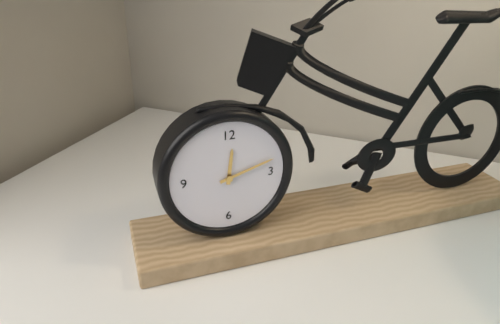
12 h 12 min
